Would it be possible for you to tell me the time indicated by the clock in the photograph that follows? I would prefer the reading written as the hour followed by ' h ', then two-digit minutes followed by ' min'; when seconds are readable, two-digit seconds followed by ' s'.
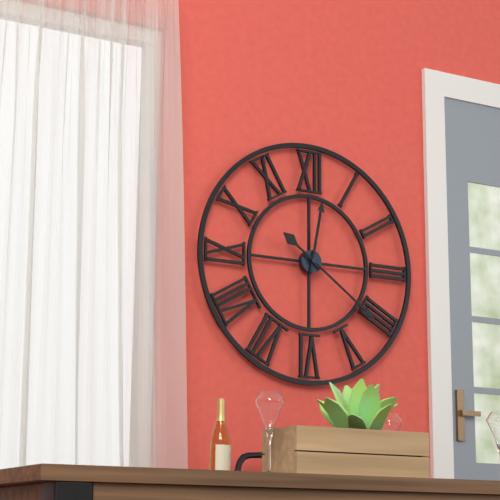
12 h 21 min
